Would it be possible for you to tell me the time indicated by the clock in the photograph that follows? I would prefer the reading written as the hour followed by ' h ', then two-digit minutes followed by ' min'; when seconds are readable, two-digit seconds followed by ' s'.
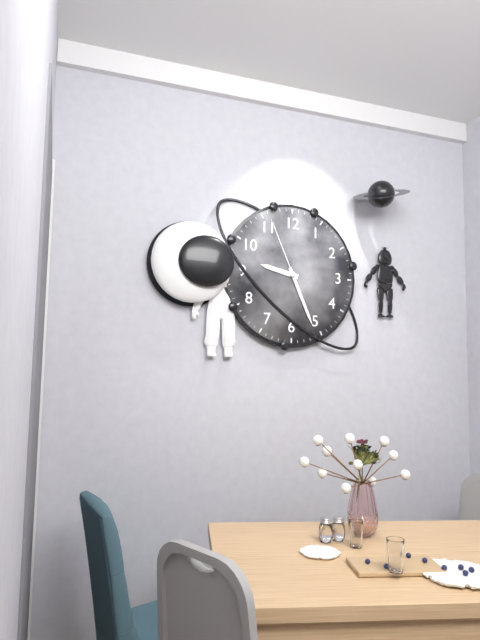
9 h 26 min 56 s
